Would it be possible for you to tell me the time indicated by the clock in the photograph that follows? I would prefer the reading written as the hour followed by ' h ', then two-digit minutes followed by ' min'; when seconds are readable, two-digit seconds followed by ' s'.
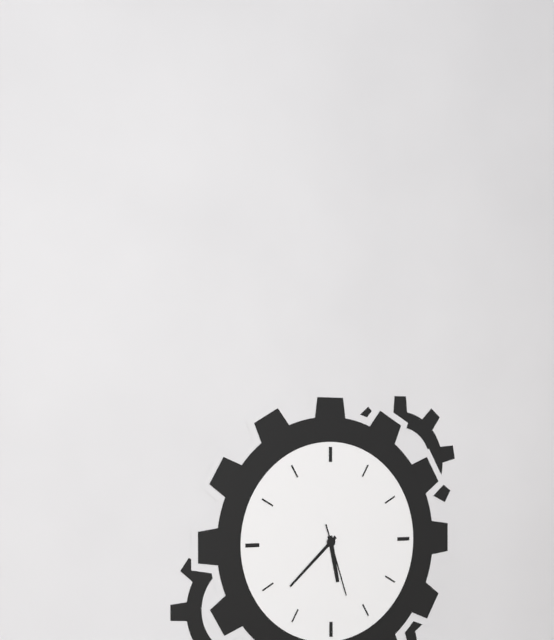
5 h 38 min 27 s
